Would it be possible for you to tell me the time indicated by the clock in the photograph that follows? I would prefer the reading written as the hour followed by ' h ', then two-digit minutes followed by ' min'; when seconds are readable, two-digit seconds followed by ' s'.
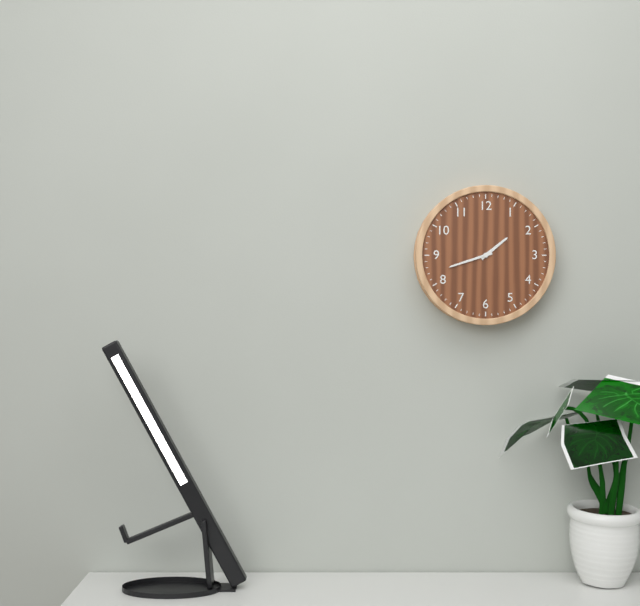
1 h 42 min
